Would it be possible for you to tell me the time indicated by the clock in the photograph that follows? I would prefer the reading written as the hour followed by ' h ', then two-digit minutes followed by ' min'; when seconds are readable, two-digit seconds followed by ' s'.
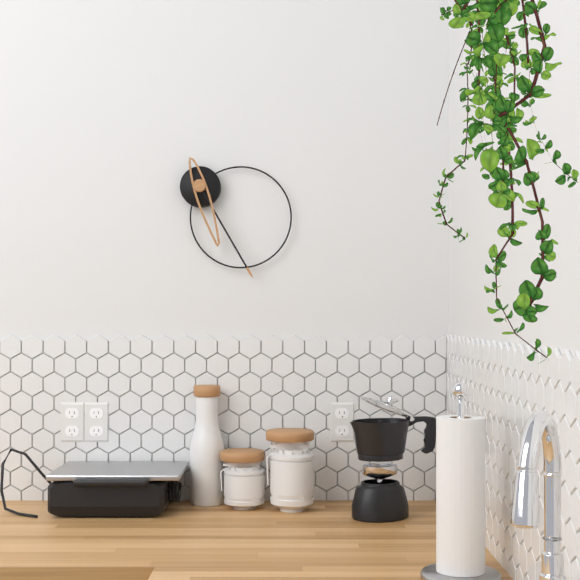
5 h 25 min
